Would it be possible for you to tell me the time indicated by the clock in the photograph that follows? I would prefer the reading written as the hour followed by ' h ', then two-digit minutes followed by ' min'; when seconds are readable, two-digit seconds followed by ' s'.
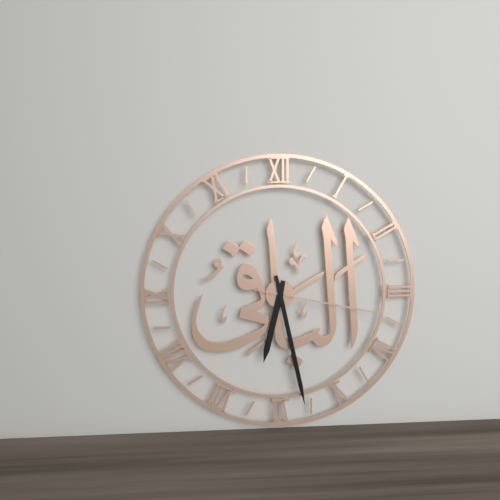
6 h 28 min 17 s
